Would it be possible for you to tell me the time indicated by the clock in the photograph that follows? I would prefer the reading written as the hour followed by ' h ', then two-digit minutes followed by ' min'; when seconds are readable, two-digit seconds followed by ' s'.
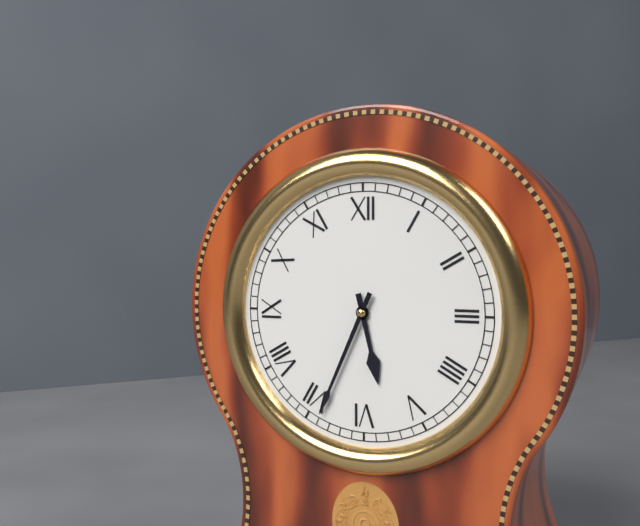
5 h 34 min
